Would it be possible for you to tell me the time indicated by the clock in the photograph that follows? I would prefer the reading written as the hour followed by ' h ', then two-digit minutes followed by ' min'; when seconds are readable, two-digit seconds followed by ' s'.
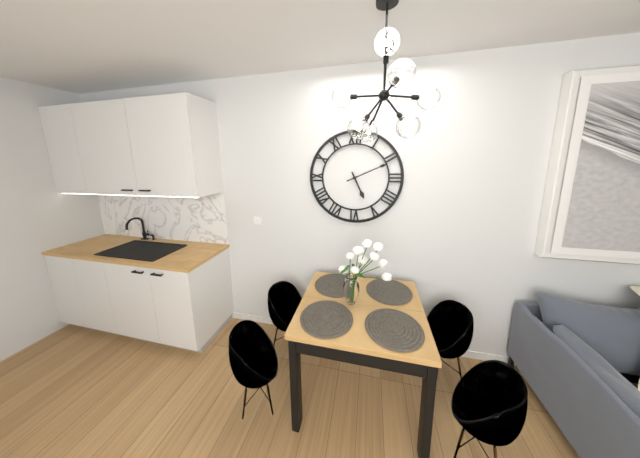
5 h 11 min
